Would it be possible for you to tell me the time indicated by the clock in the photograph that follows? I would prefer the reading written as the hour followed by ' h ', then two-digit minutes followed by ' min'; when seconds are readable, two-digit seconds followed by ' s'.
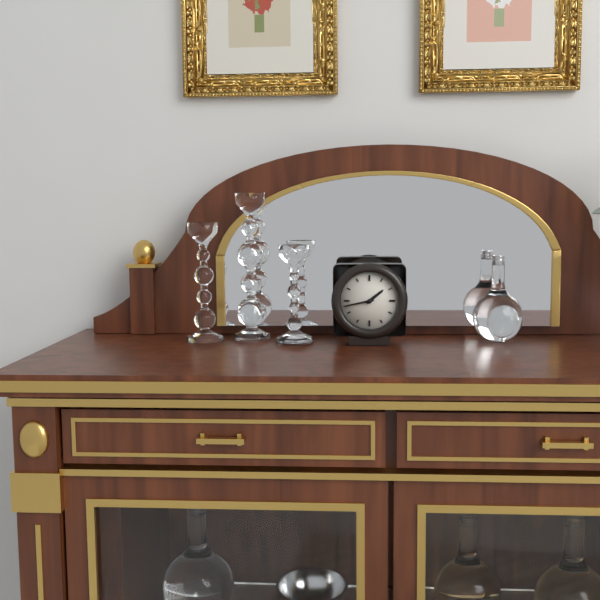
1 h 43 min
